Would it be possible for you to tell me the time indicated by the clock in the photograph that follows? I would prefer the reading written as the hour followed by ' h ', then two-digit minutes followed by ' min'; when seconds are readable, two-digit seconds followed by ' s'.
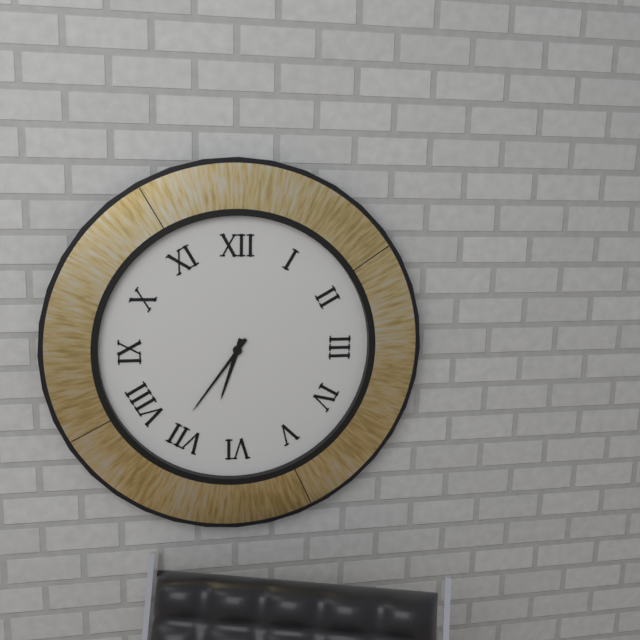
6 h 36 min
